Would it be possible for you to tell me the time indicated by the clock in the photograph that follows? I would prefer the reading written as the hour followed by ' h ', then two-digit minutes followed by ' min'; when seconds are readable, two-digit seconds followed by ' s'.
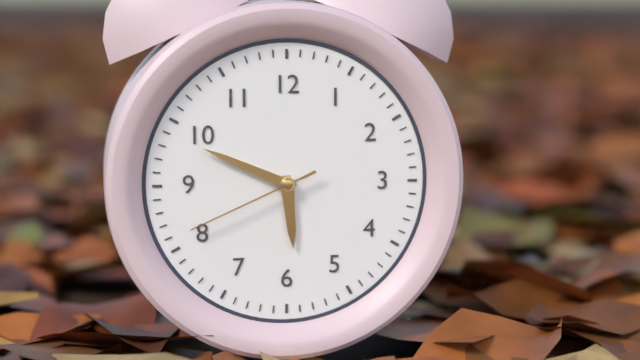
5 h 49 min 41 s
